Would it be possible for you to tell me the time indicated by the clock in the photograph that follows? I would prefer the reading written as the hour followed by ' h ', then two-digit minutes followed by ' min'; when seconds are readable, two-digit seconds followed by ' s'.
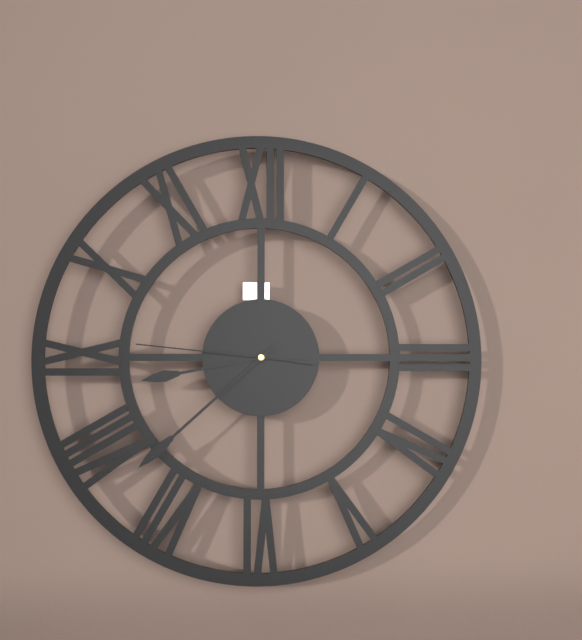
8 h 38 min 46 s
